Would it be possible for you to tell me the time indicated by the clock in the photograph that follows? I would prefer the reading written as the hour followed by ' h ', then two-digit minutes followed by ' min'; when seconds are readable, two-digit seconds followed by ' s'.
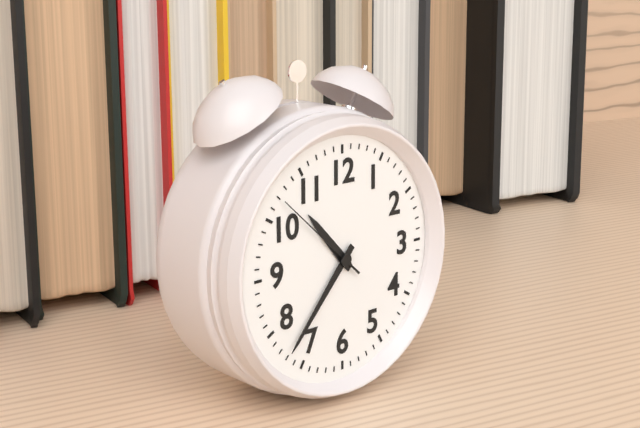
10 h 37 min 52 s
